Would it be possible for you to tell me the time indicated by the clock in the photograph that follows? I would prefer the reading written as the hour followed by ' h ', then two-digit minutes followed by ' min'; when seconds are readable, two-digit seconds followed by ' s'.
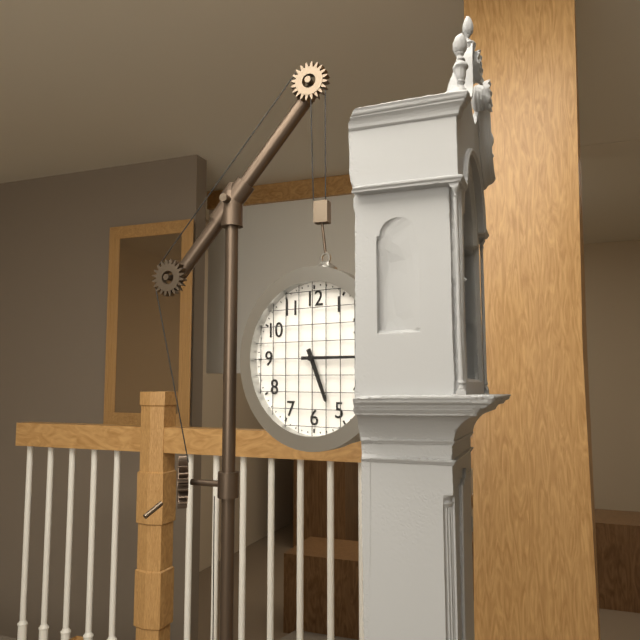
5 h 15 min
